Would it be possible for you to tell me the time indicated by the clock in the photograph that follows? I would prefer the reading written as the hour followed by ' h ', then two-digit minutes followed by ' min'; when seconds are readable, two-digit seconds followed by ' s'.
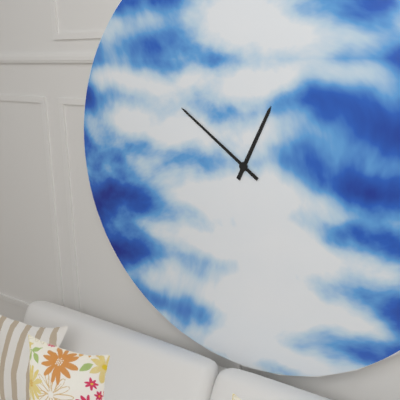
12 h 51 min
